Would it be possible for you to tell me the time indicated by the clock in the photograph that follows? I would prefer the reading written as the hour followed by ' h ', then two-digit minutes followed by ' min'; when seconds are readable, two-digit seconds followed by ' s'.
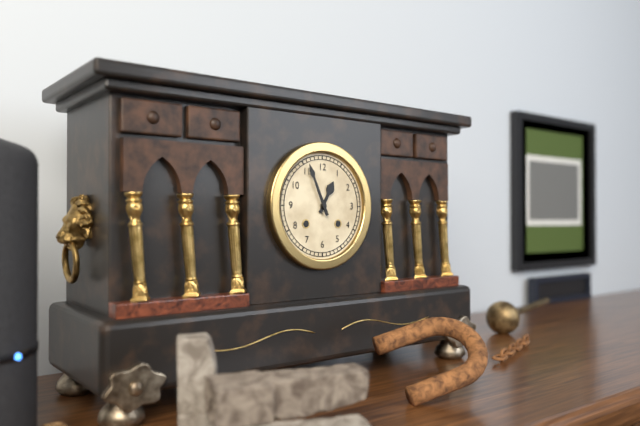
12 h 56 min
